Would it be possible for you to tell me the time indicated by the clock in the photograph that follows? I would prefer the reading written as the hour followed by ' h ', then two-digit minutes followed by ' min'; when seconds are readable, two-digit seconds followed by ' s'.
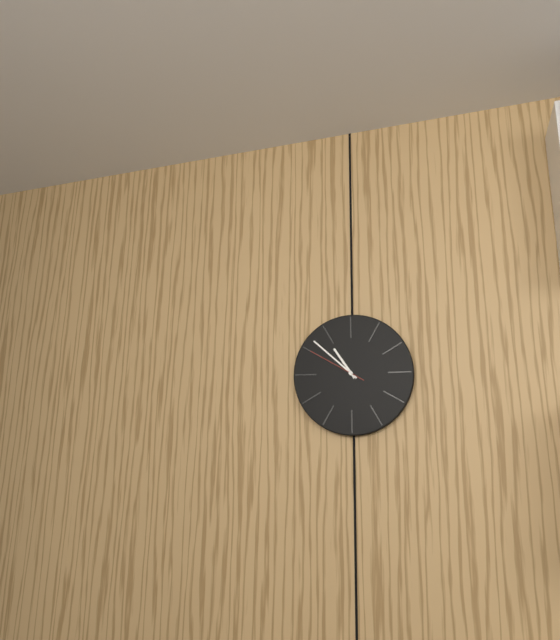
10 h 52 min 50 s
